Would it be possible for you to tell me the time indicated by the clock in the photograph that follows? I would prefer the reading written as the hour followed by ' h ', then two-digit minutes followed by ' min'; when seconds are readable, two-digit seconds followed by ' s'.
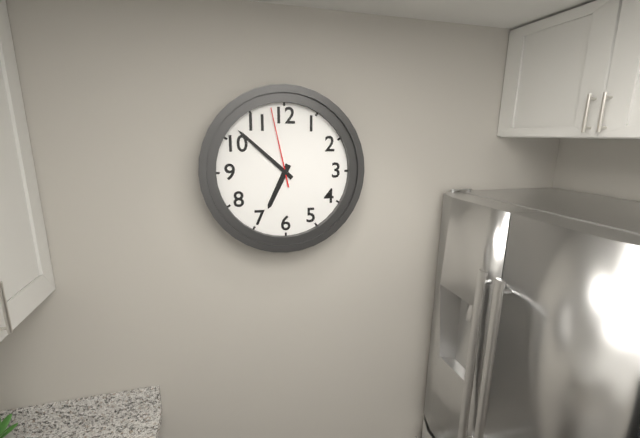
6 h 52 min 58 s
